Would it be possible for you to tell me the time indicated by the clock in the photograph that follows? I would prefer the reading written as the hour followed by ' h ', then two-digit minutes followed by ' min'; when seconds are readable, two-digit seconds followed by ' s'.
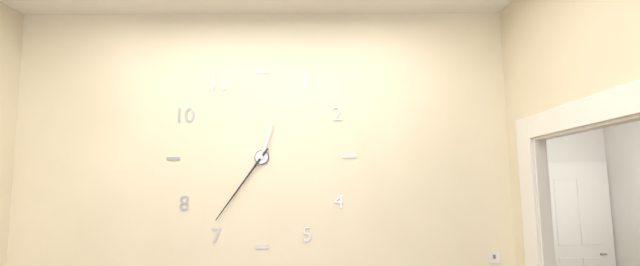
12 h 36 min
